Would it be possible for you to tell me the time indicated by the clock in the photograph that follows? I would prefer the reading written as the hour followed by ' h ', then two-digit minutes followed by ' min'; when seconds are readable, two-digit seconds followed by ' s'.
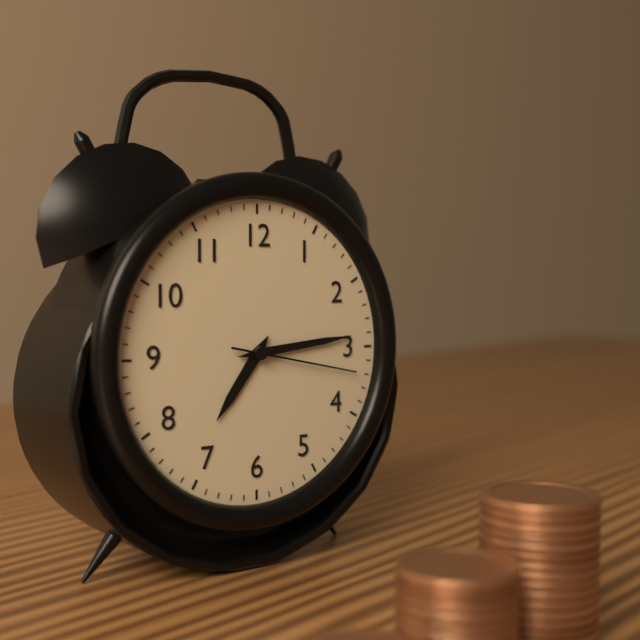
7 h 14 min 17 s
